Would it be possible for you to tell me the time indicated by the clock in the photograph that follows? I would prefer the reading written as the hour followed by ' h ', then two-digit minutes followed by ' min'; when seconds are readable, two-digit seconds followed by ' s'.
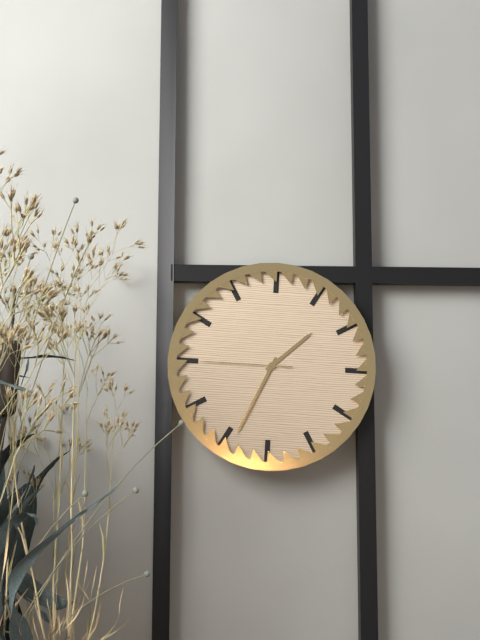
1 h 34 min 45 s
